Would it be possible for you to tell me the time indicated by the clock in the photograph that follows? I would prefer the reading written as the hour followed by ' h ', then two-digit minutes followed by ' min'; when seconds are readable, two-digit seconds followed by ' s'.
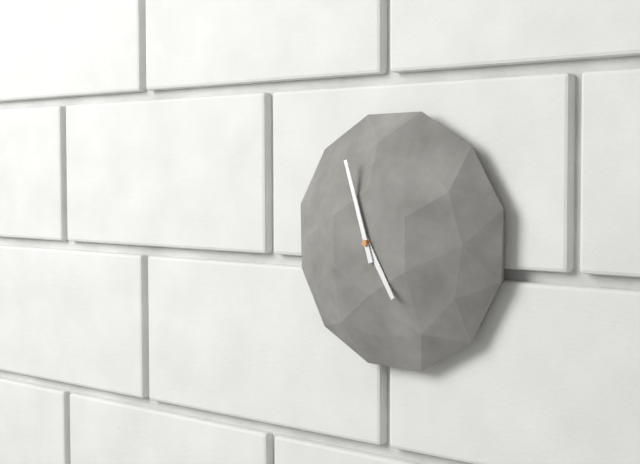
4 h 57 min
